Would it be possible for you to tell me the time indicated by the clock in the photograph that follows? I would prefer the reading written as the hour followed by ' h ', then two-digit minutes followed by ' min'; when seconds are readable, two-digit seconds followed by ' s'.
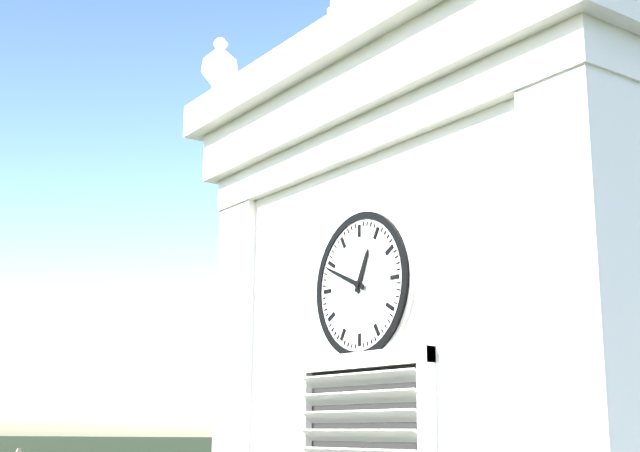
12 h 49 min
